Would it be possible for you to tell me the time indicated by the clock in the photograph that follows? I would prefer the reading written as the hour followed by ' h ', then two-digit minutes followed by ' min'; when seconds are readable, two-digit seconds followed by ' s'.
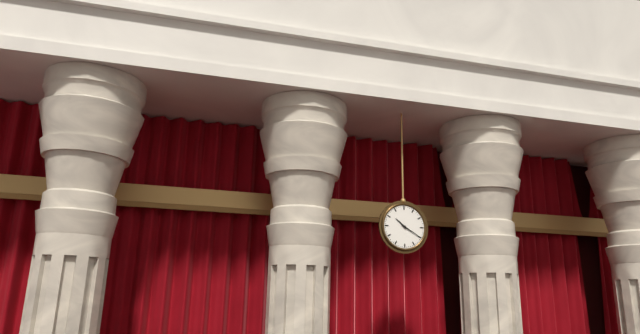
10 h 20 min
